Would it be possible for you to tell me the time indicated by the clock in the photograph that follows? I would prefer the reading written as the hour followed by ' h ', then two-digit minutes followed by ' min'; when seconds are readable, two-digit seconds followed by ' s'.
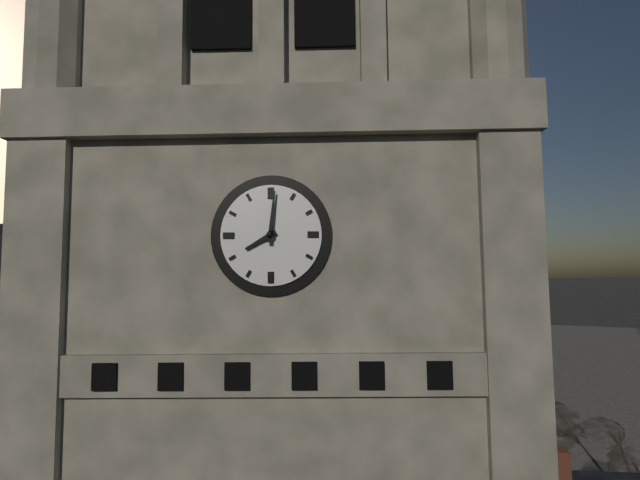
8 h 01 min
